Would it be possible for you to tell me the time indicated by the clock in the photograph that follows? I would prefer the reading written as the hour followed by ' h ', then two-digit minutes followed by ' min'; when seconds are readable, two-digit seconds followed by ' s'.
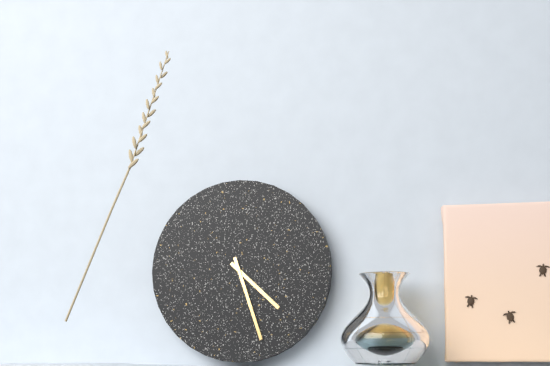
4 h 27 min
